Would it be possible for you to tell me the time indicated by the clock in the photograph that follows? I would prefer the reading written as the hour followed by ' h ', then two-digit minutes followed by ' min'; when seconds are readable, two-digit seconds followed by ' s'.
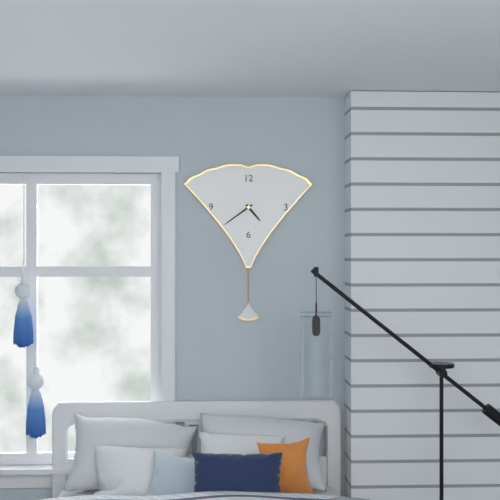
4 h 39 min
